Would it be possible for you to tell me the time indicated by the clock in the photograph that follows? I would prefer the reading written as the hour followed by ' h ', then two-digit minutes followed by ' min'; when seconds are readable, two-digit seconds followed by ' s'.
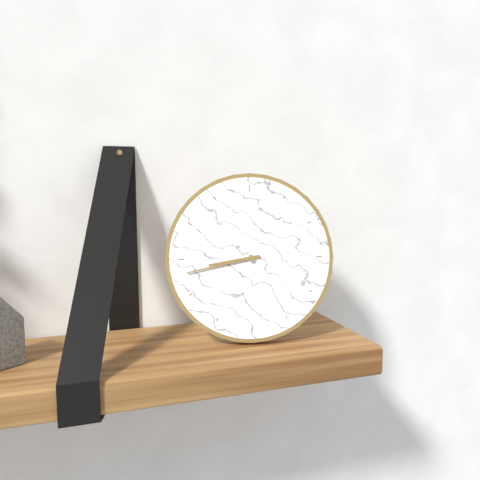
8 h 43 min
